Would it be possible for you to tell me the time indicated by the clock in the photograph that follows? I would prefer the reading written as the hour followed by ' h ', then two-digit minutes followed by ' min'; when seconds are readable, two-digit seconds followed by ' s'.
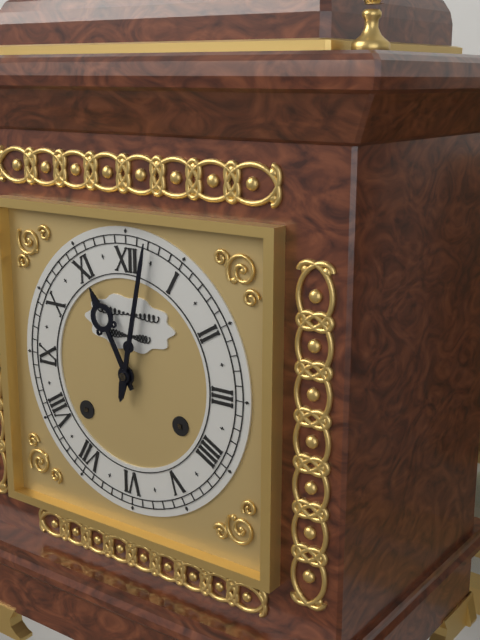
11 h 02 min
